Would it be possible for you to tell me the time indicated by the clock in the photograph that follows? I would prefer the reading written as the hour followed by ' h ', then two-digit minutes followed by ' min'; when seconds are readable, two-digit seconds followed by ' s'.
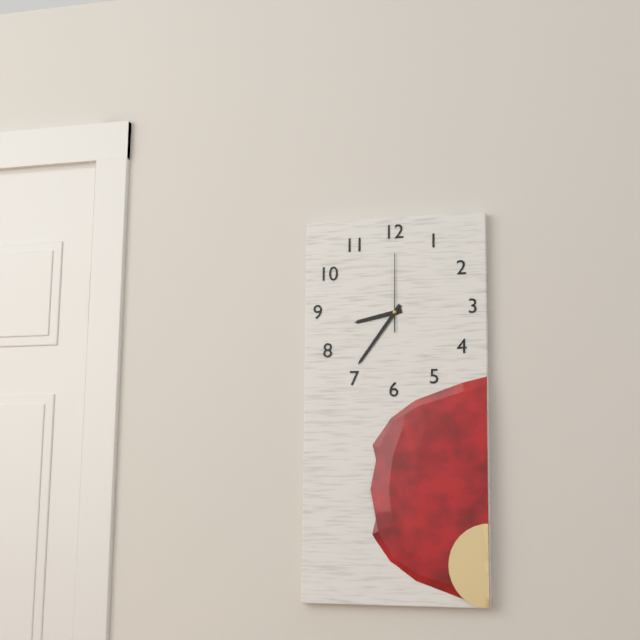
8 h 36 min 00 s
